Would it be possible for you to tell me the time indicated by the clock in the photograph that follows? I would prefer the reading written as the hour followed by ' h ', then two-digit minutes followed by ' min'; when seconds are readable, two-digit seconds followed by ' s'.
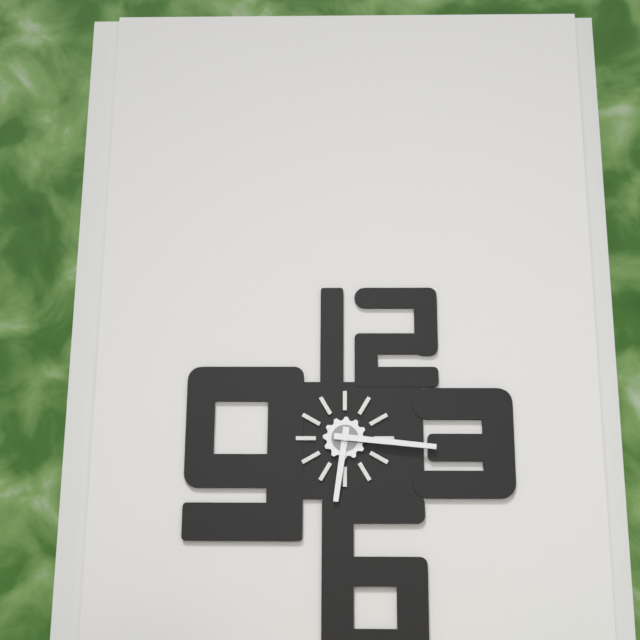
6 h 16 min
